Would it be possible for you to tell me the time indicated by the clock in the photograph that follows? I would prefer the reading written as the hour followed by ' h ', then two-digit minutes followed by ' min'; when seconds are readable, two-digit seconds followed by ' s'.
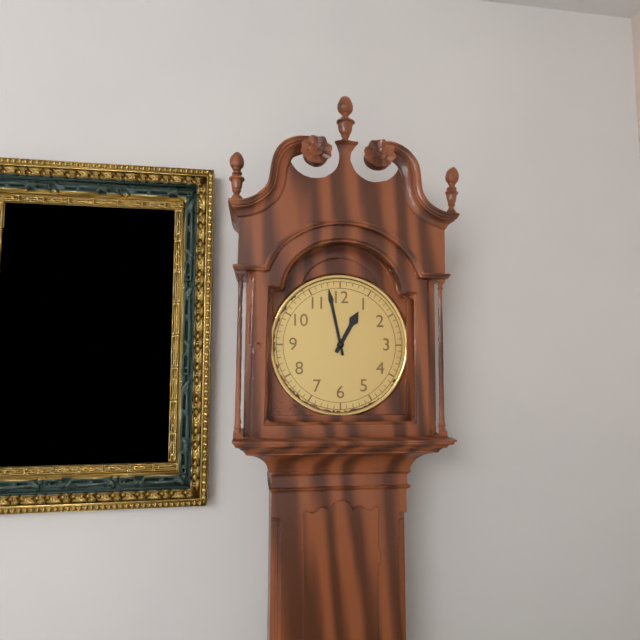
12 h 58 min
